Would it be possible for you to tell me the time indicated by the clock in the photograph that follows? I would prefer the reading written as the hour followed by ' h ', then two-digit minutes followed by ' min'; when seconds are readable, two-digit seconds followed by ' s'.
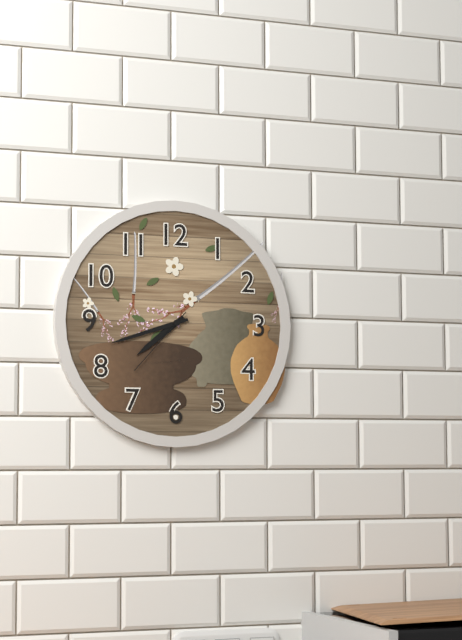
7 h 42 min 37 s
